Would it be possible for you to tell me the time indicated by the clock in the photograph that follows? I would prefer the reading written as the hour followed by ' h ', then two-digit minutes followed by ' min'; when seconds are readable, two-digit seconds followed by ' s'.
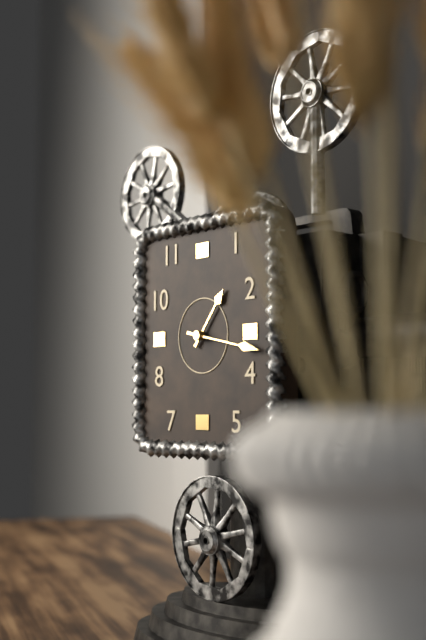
1 h 17 min
